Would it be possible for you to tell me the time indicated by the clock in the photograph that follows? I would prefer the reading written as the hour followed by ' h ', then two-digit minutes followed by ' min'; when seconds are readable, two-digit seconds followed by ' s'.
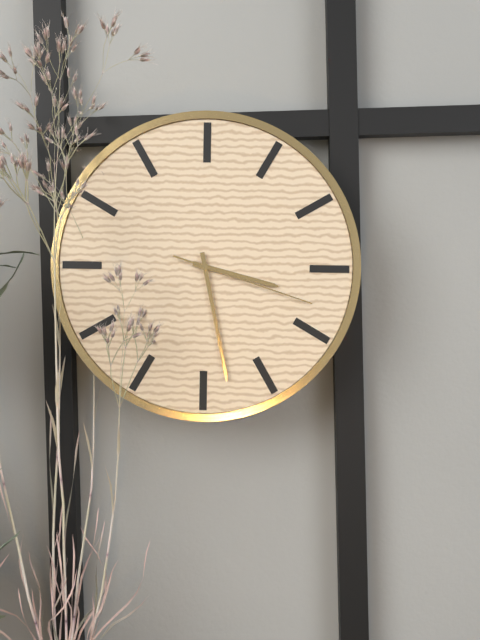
3 h 28 min 18 s
